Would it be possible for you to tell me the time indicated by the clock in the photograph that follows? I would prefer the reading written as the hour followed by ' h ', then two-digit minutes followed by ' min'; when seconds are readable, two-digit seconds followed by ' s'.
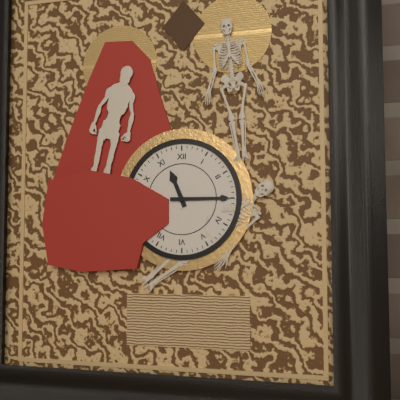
11 h 15 min
